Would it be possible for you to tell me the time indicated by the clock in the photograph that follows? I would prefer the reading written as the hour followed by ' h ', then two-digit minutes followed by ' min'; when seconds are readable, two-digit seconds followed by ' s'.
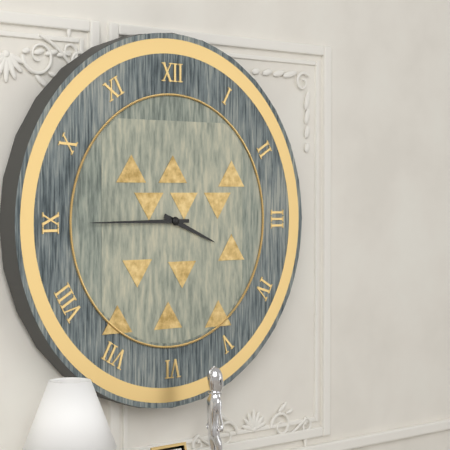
3 h 45 min
